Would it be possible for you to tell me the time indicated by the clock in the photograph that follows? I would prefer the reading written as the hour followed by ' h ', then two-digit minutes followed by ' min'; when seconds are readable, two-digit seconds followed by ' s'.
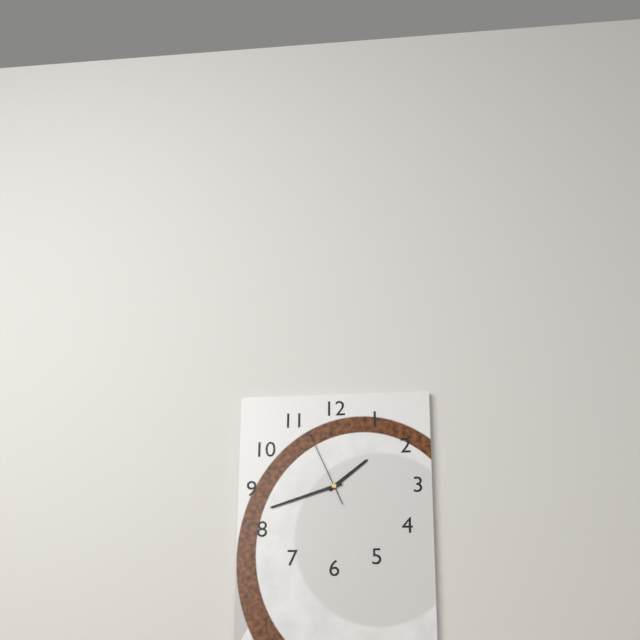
1 h 42 min 56 s
